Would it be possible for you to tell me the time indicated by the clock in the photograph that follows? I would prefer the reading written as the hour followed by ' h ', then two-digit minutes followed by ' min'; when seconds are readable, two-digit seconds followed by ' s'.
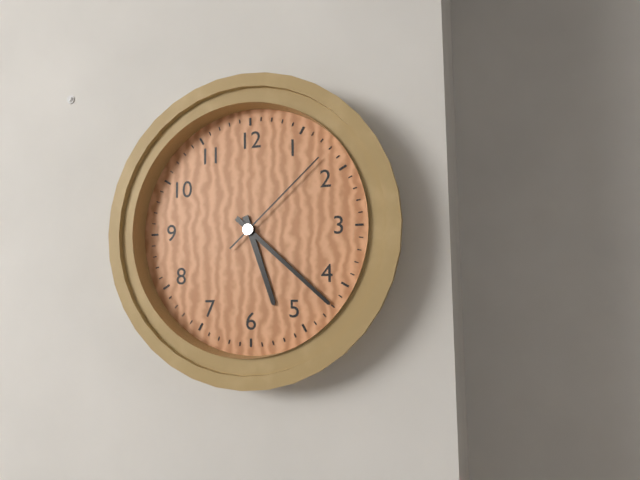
5 h 22 min 08 s
